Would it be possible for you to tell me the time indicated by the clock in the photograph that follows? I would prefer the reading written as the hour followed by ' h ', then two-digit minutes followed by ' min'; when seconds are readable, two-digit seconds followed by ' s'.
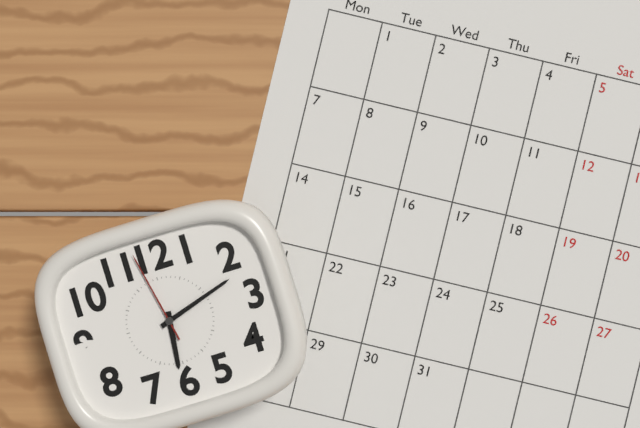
6 h 12 min 58 s
